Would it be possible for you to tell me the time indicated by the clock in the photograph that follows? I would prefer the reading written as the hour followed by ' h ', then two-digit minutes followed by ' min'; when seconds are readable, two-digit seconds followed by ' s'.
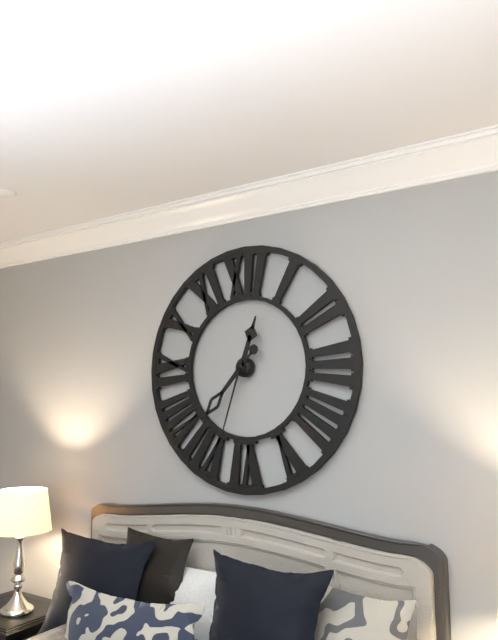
12 h 37 min 33 s
